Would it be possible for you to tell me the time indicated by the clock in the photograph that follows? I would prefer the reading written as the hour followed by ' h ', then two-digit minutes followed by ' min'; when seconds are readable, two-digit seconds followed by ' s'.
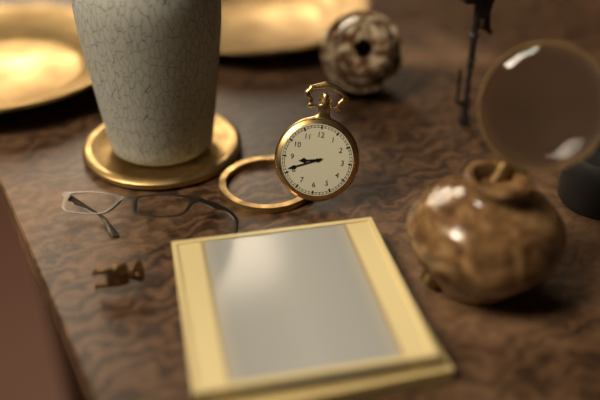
8 h 41 min
